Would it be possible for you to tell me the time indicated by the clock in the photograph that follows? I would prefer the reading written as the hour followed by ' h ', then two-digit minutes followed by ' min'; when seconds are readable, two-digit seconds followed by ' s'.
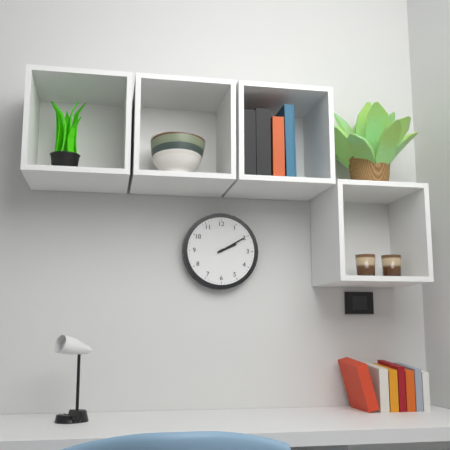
2 h 10 min
